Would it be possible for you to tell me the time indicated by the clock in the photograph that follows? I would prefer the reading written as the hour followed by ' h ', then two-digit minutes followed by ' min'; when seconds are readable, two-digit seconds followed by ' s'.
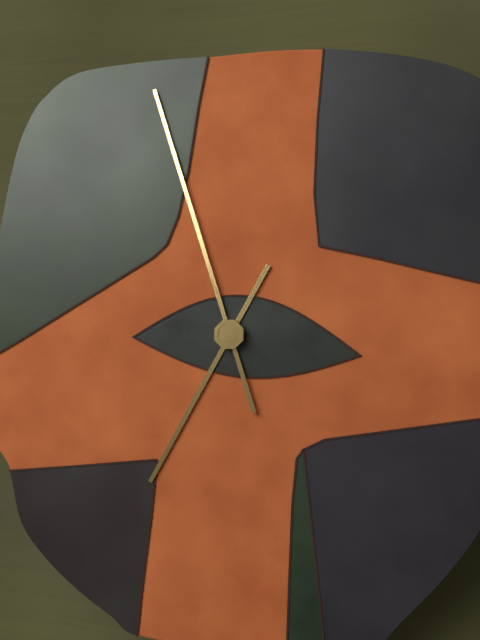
6 h 57 min
